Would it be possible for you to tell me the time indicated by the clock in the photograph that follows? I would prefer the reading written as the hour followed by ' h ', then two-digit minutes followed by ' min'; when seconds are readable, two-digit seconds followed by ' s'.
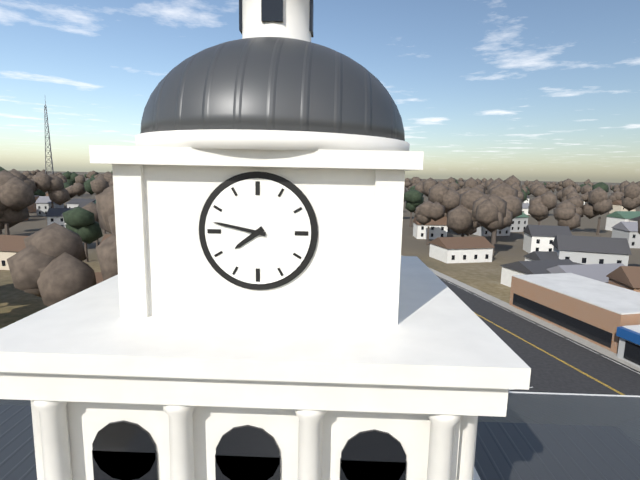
7 h 47 min
